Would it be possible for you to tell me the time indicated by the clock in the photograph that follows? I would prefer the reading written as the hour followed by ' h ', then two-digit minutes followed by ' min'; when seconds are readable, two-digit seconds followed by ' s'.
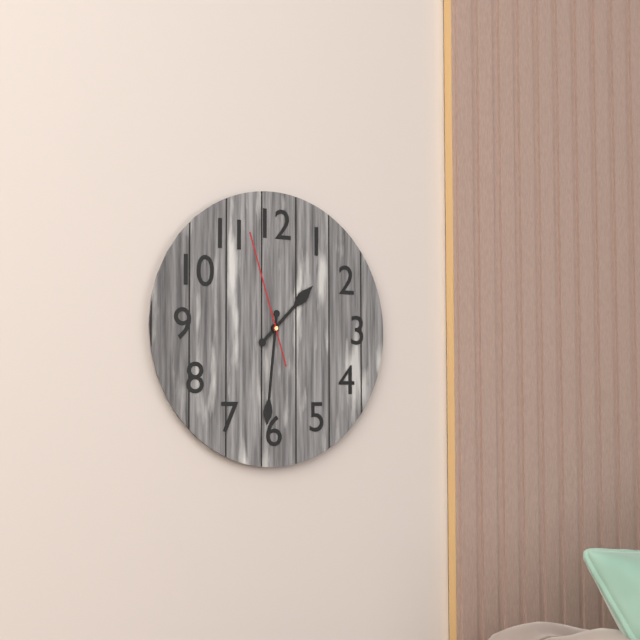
1 h 31 min 57 s
